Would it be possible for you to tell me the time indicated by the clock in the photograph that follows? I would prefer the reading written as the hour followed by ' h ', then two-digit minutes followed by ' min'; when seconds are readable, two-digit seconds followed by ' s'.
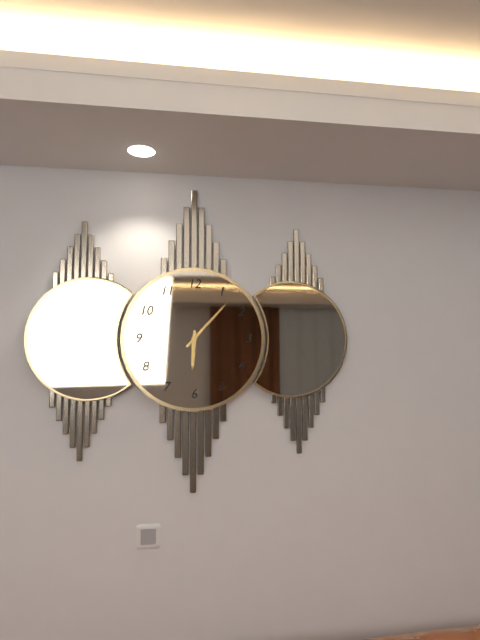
6 h 07 min
